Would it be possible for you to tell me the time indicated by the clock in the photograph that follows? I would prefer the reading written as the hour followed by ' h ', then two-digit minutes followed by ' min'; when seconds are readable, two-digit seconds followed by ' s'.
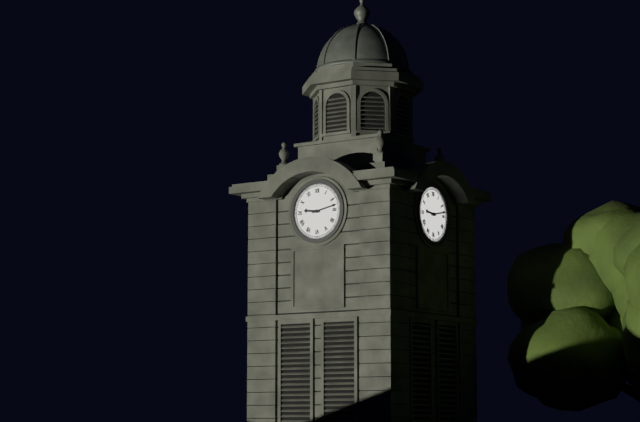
9 h 13 min
